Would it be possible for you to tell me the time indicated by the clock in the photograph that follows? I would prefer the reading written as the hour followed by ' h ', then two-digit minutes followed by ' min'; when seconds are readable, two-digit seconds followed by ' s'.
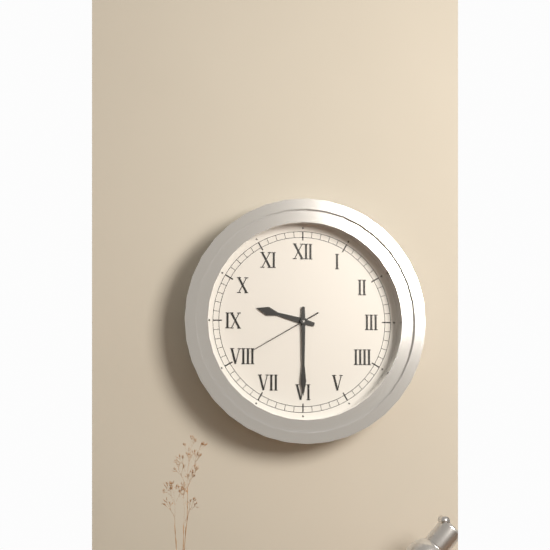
9 h 30 min 40 s
